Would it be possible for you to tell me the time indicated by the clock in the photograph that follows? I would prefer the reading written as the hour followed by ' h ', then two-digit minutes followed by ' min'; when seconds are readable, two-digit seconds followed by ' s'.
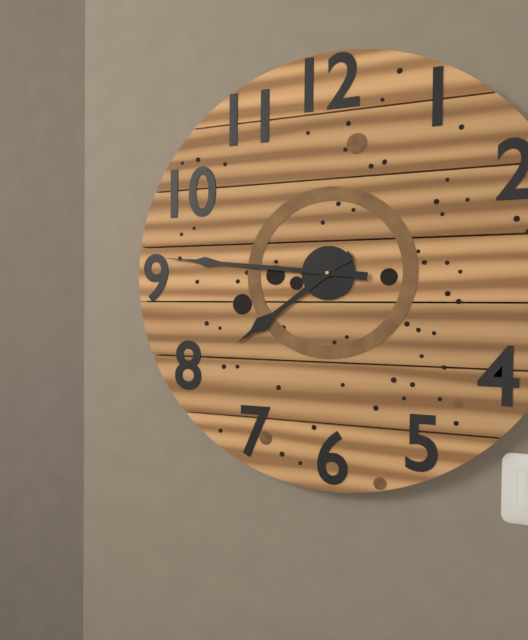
7 h 46 min
